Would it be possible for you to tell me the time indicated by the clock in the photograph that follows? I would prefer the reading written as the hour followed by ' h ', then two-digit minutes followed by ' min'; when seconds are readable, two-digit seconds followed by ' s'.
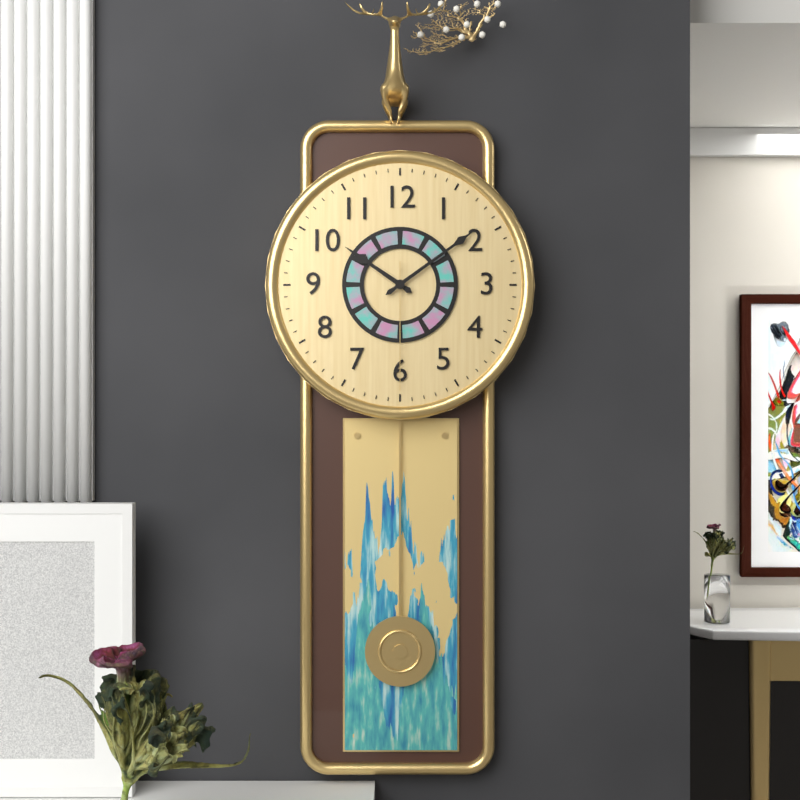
10 h 09 min 30 s
